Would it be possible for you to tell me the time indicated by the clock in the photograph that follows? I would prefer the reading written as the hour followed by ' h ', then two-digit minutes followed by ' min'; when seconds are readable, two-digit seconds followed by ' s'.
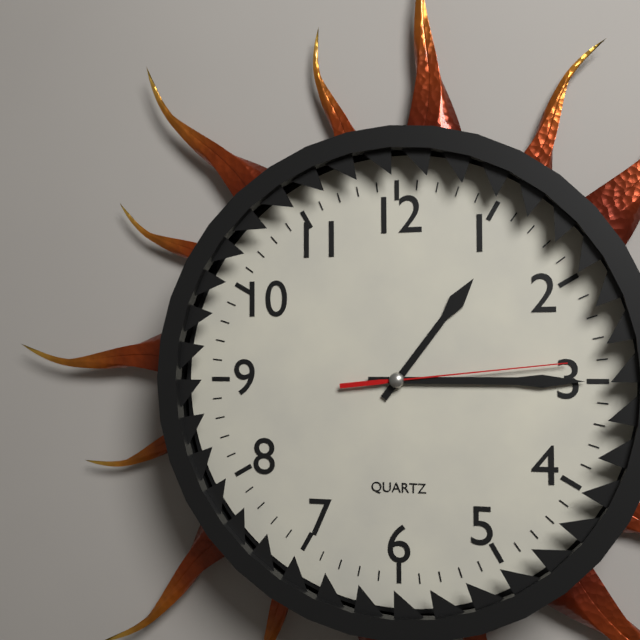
1 h 15 min 14 s
